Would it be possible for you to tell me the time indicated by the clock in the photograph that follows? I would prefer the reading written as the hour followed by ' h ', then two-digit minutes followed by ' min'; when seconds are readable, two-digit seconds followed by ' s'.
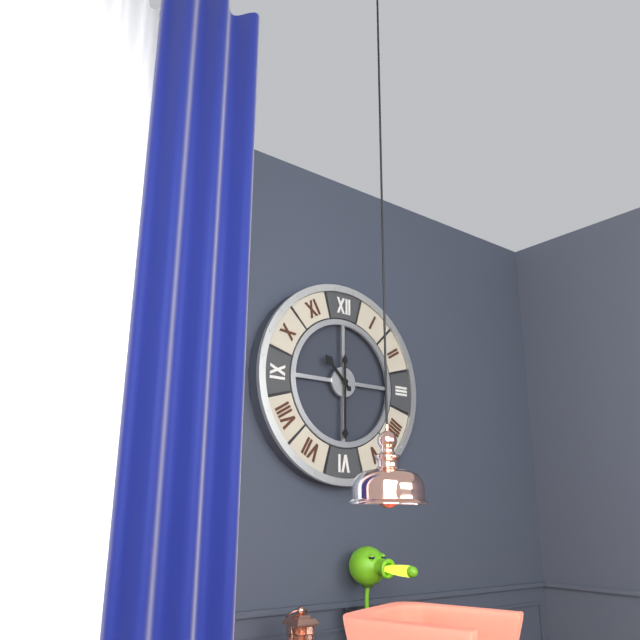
10 h 30 min
